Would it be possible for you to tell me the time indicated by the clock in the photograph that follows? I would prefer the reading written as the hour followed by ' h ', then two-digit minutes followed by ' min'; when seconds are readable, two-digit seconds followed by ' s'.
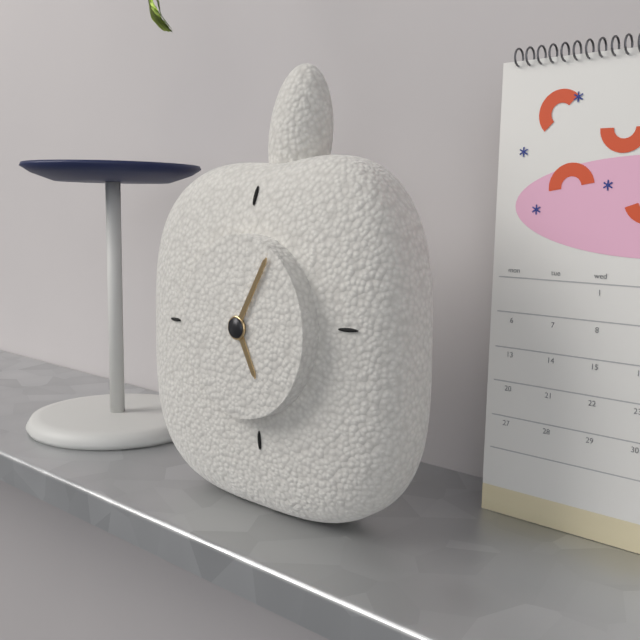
5 h 05 min
